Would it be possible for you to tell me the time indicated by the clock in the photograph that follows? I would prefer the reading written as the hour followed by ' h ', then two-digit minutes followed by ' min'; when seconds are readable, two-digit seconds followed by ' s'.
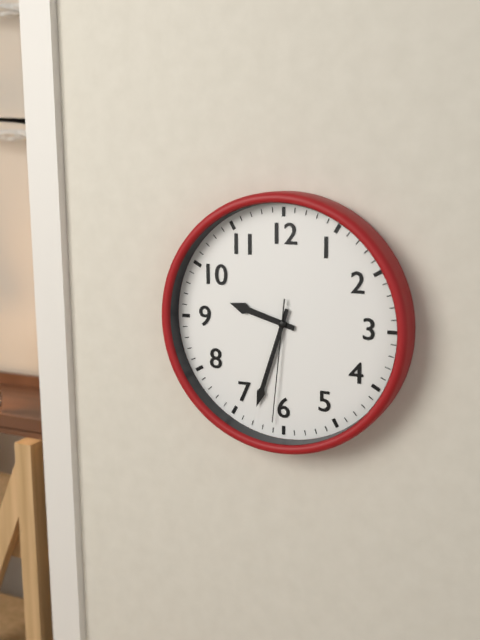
9 h 33 min 31 s
